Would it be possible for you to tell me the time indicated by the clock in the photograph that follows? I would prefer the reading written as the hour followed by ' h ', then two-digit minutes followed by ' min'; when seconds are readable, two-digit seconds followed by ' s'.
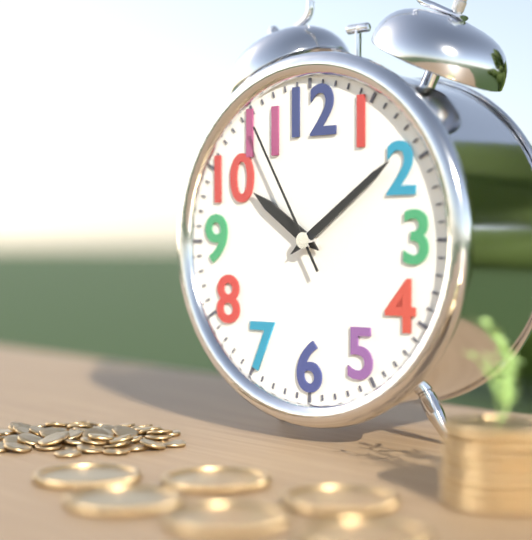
10 h 09 min 55 s
